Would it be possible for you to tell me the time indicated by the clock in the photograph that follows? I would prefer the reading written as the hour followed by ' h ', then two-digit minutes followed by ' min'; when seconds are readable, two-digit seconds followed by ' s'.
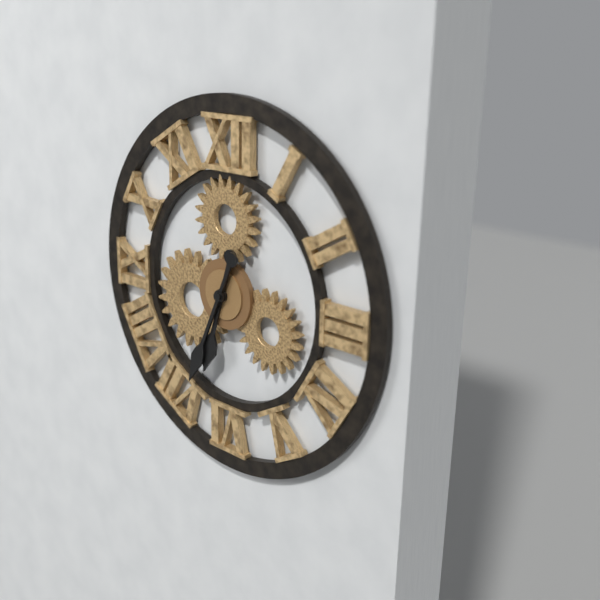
6 h 34 min
